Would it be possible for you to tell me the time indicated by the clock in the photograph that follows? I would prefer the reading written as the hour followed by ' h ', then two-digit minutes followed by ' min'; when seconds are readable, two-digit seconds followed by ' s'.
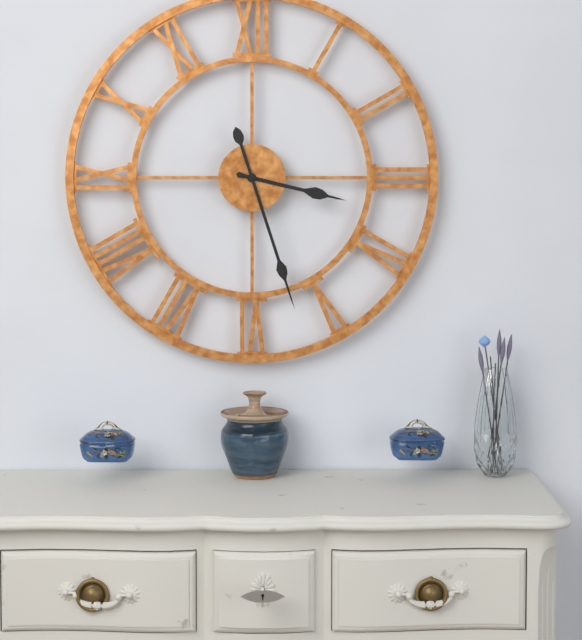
3 h 27 min
